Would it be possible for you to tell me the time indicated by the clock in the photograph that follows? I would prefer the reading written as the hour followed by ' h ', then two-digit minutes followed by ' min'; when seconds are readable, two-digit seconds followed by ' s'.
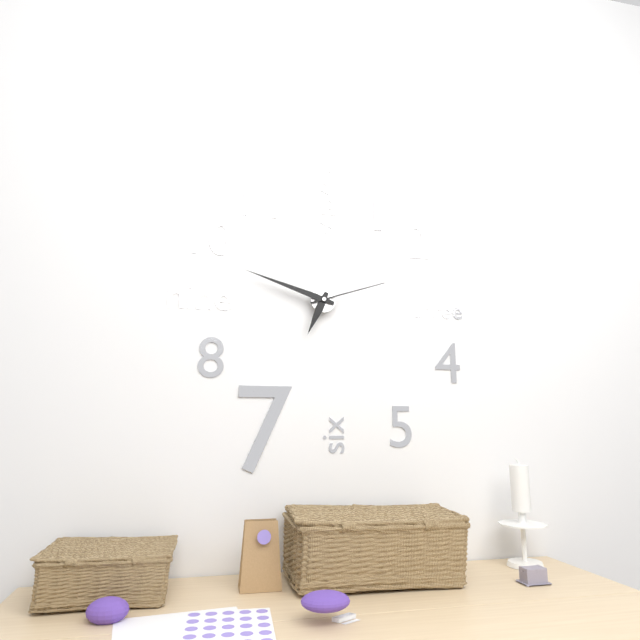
6 h 48 min 12 s
